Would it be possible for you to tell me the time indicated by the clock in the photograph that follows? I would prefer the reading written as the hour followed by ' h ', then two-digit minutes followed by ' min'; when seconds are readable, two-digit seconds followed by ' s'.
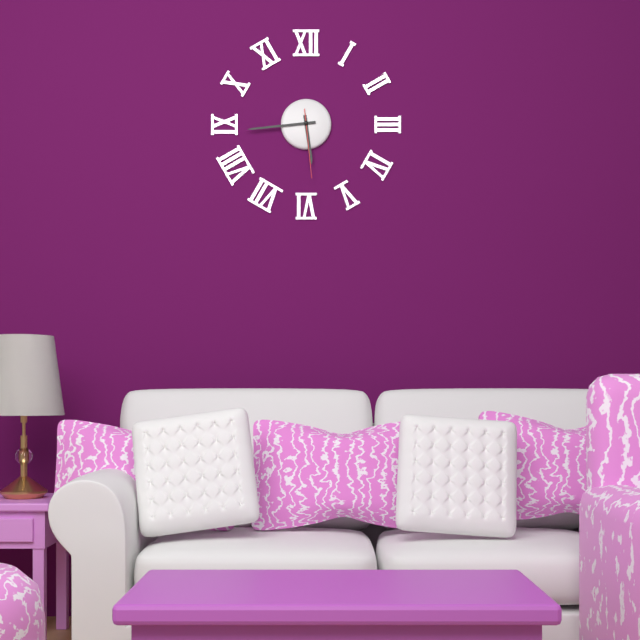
5 h 44 min 29 s
